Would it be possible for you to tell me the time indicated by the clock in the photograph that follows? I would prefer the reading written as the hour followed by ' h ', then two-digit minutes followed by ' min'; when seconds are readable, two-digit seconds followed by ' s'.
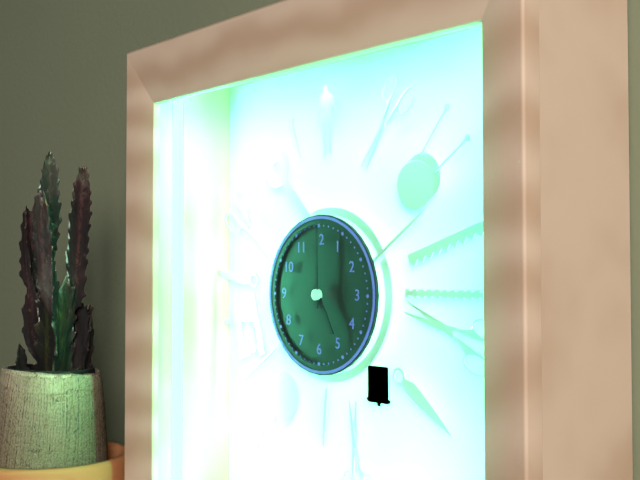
5 h 00 min
